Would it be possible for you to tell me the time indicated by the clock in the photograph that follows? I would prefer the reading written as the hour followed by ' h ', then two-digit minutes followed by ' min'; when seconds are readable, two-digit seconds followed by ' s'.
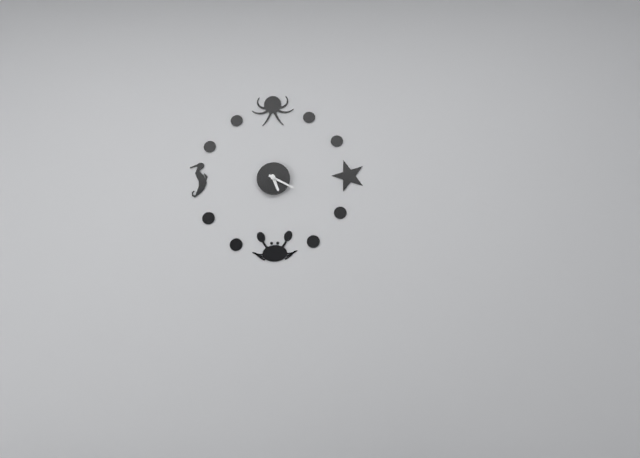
5 h 20 min
